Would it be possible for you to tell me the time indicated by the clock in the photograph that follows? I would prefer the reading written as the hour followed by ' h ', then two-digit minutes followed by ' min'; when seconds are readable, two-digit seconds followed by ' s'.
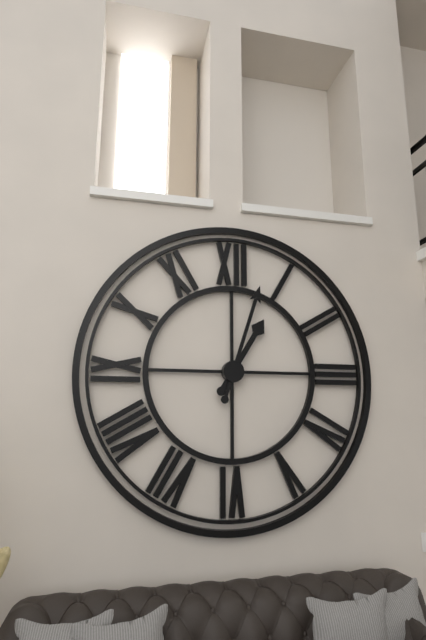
1 h 03 min
